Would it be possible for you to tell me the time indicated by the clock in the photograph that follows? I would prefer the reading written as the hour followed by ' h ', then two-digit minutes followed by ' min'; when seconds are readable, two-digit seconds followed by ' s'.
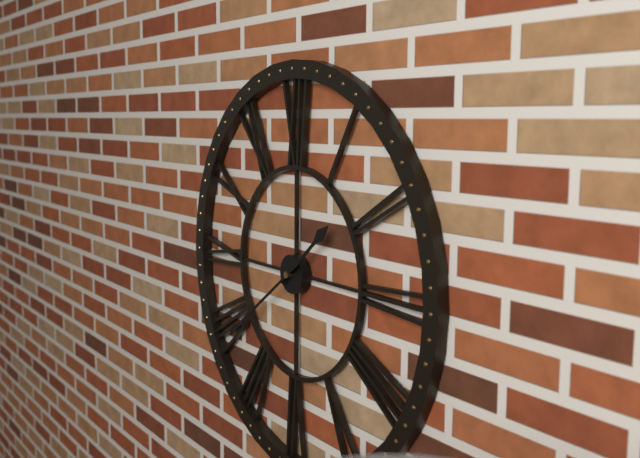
1 h 39 min
